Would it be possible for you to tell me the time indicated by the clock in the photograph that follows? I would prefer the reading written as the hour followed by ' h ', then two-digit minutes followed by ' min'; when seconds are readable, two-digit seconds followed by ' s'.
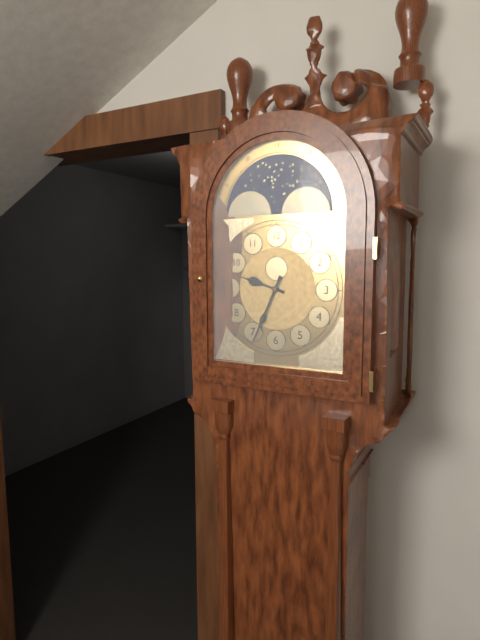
9 h 34 min
